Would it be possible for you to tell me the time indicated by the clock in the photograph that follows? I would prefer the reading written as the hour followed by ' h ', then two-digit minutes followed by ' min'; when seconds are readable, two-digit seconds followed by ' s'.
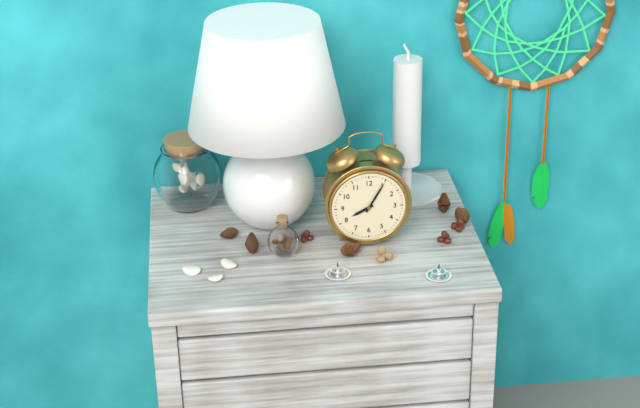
8 h 05 min
